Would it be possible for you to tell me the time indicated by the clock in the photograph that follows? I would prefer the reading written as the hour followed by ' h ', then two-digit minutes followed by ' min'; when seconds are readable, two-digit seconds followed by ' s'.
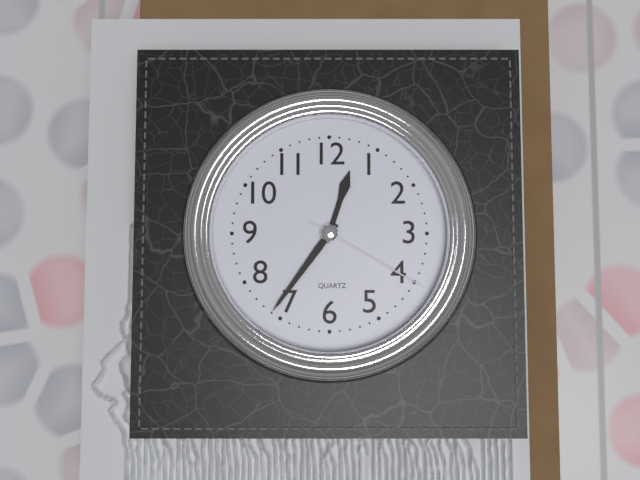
12 h 36 min 20 s
